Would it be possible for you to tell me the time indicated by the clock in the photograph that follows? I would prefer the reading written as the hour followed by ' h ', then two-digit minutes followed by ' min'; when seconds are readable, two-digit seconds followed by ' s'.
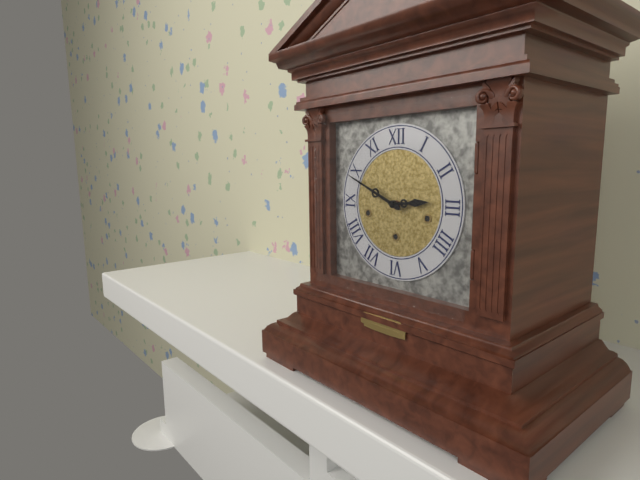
2 h 49 min
